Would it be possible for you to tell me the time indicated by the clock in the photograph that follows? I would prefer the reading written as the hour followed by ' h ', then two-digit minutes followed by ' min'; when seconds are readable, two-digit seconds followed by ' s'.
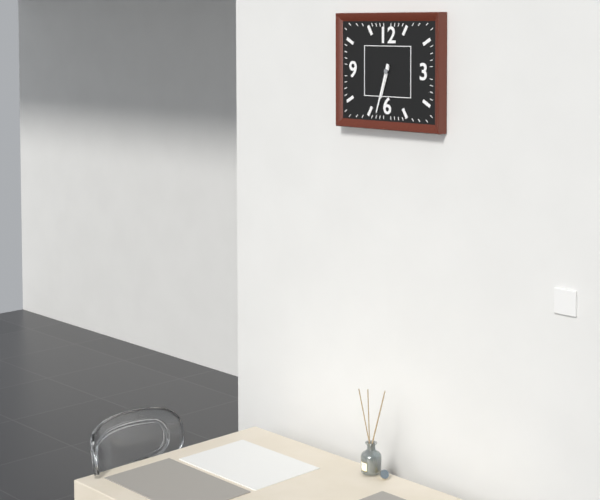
6 h 33 min
